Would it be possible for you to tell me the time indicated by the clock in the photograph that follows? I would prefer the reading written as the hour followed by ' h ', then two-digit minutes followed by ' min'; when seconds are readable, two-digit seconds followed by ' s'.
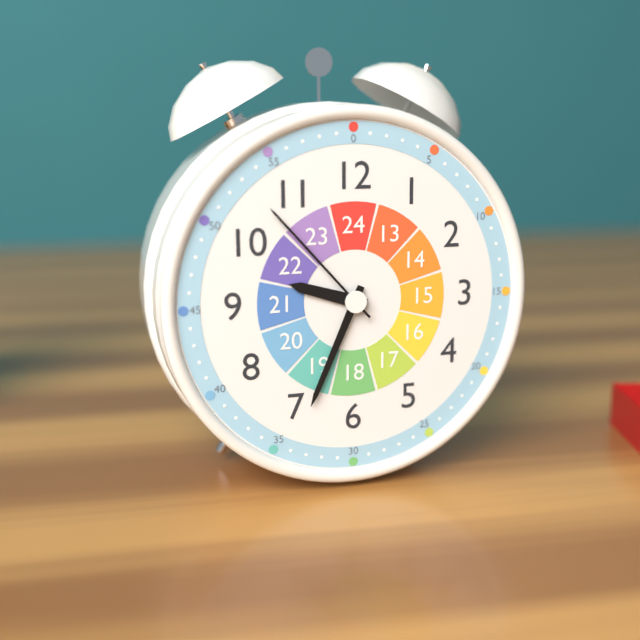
9 h 34 min 53 s
